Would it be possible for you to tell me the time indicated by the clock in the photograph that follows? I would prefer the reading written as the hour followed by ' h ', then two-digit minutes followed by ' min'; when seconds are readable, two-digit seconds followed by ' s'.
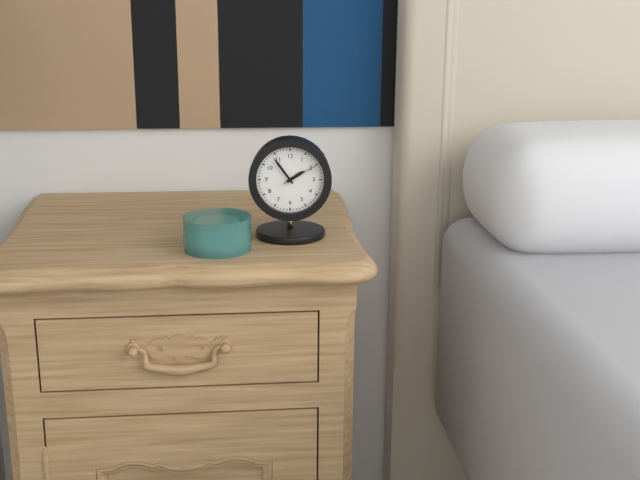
1 h 54 min
